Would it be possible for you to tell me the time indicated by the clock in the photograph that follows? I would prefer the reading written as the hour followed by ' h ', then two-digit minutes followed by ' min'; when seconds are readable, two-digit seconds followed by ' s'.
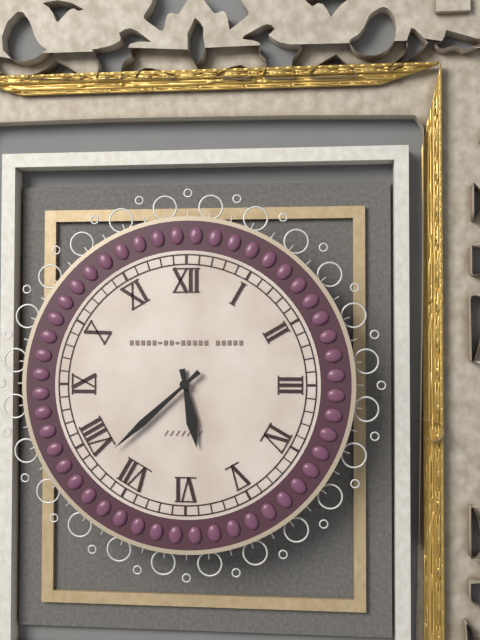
5 h 38 min
